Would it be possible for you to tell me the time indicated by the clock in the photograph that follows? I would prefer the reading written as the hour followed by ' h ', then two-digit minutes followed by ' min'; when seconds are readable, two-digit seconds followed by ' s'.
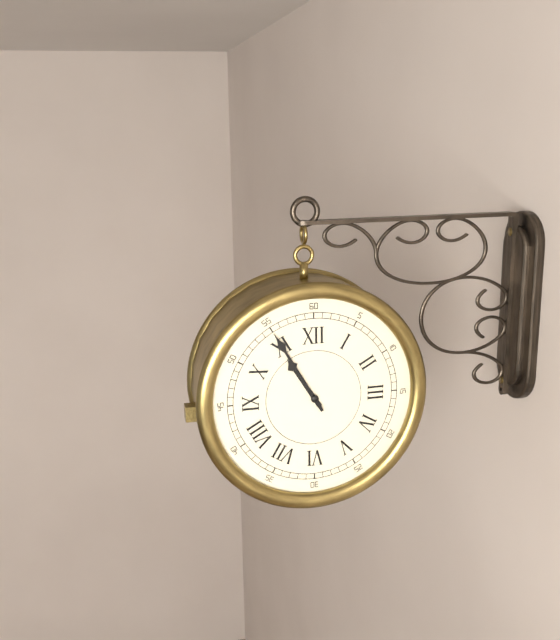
10 h 55 min
